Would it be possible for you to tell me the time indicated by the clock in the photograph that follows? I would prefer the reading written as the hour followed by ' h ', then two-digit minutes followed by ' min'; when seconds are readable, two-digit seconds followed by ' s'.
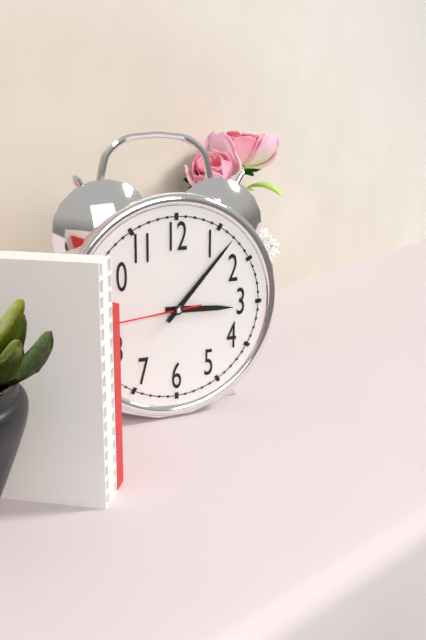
3 h 07 min 44 s
